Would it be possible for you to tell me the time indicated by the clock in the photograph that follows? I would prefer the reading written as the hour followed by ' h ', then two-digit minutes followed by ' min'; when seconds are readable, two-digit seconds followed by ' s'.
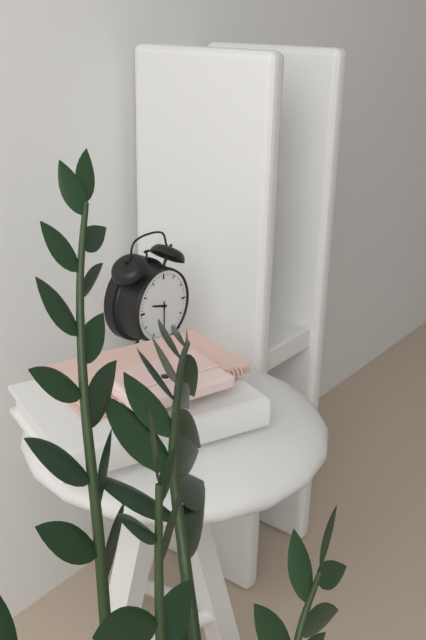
9 h 30 min
